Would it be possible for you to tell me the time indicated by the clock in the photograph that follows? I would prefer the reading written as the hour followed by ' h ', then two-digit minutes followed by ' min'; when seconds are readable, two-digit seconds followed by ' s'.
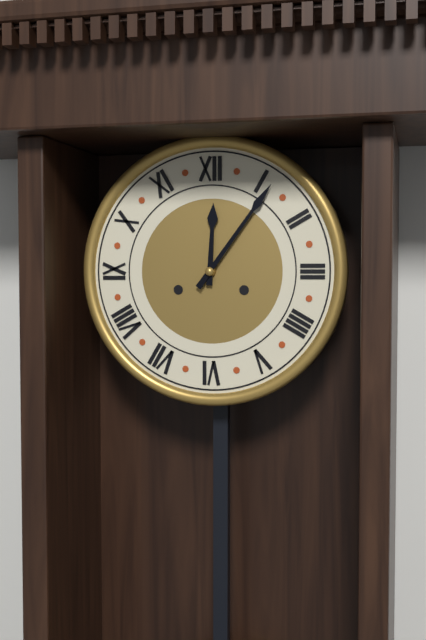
12 h 06 min
